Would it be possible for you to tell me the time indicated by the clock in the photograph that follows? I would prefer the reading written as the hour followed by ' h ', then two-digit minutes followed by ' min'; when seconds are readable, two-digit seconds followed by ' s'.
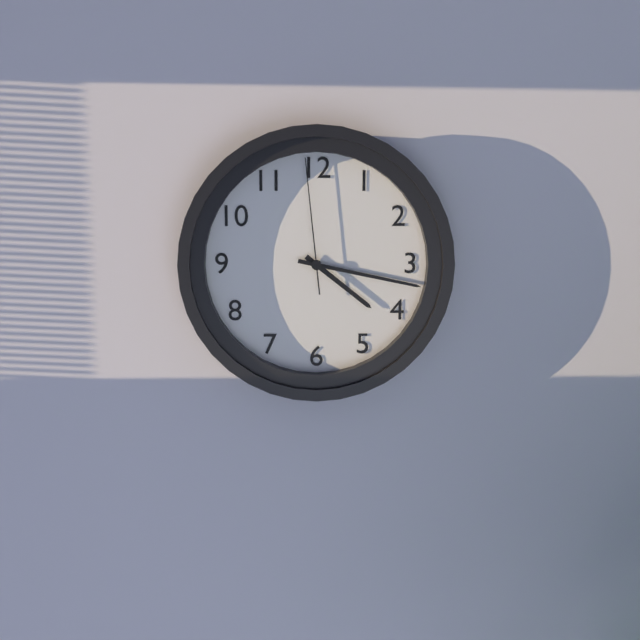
4 h 17 min 59 s
